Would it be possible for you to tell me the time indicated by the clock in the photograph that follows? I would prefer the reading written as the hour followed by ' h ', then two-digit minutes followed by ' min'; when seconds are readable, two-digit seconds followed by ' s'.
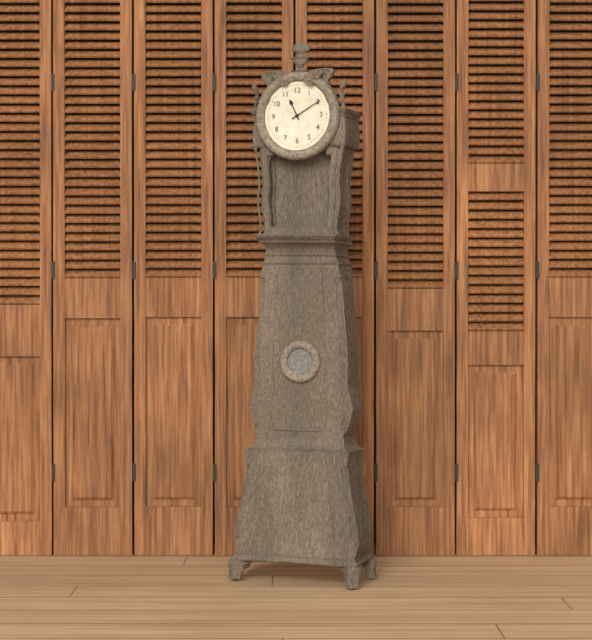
11 h 10 min
